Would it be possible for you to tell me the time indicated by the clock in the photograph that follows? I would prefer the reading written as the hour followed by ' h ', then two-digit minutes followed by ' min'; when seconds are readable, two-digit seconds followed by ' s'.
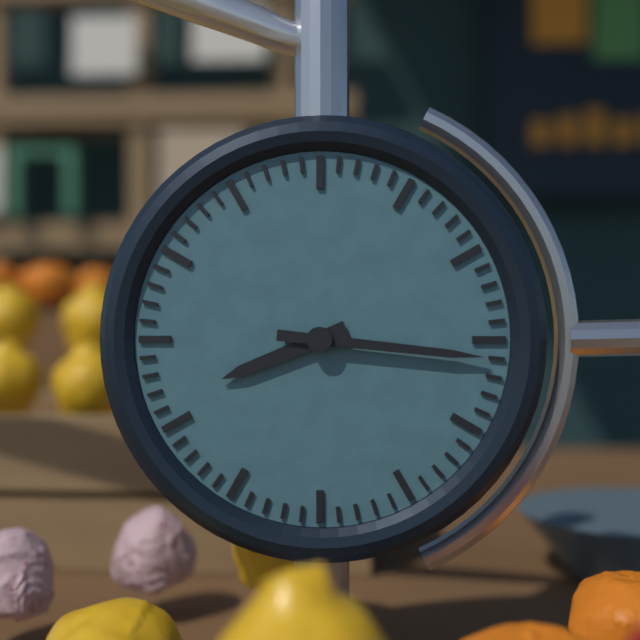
8 h 16 min
